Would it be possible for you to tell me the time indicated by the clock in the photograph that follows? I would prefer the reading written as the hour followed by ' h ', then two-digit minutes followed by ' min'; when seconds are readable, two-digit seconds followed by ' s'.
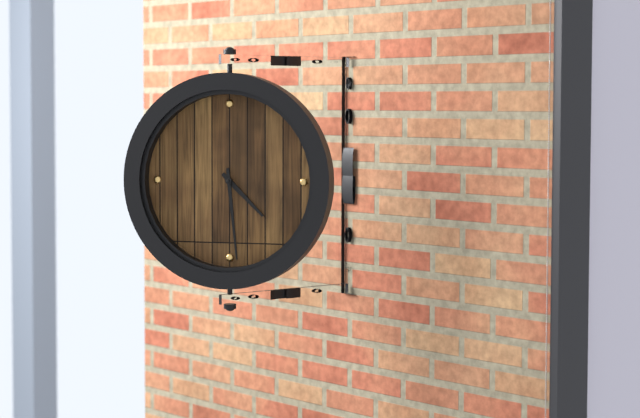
4 h 29 min
